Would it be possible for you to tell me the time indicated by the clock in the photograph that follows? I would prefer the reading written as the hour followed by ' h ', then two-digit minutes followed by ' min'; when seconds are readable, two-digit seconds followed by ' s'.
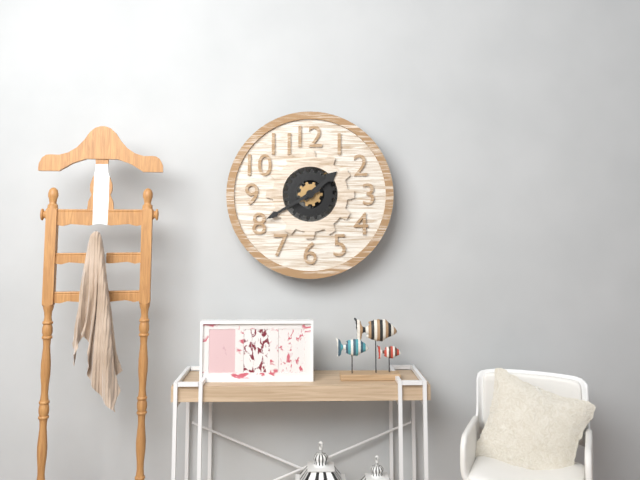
1 h 40 min
